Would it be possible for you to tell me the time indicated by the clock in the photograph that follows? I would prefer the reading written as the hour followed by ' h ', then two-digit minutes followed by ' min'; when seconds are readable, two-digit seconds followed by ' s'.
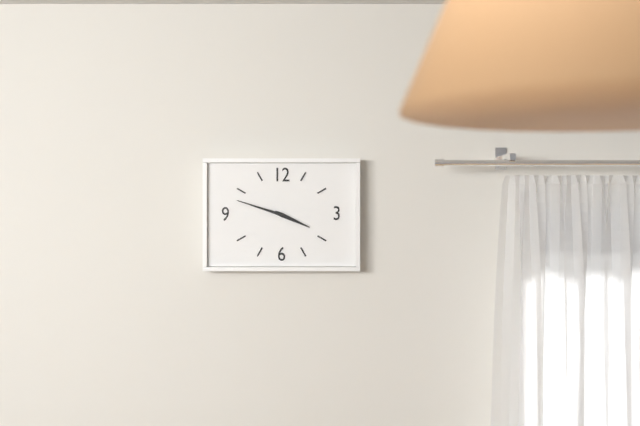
3 h 48 min
